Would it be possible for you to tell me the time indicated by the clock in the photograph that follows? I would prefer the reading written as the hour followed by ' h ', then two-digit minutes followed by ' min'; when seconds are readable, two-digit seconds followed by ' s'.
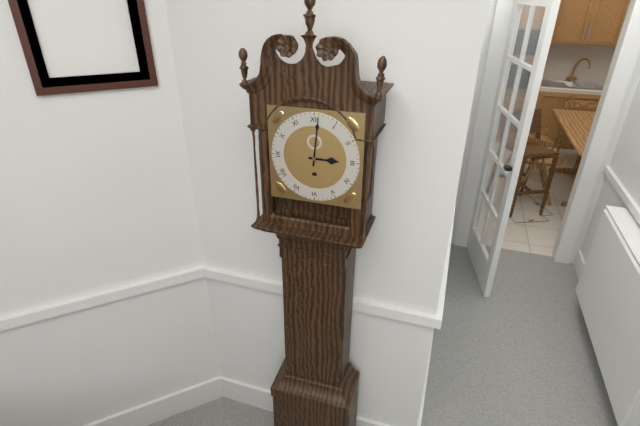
3 h 01 min
